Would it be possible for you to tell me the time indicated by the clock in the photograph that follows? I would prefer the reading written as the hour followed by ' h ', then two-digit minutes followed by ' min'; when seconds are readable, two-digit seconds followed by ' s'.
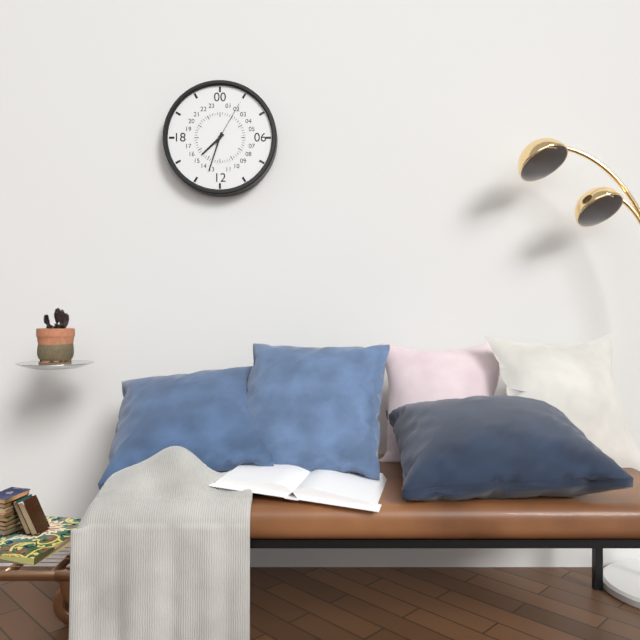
7 h 33 min 05 s
